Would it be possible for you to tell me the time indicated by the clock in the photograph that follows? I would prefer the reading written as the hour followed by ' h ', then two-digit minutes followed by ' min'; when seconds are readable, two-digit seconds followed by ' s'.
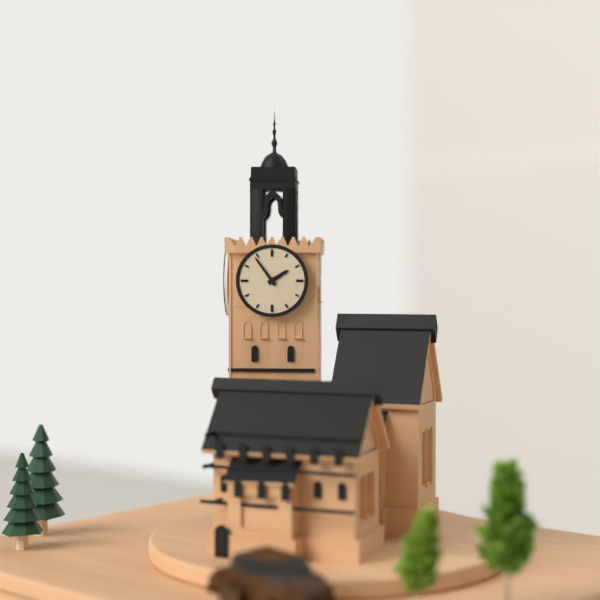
1 h 54 min
